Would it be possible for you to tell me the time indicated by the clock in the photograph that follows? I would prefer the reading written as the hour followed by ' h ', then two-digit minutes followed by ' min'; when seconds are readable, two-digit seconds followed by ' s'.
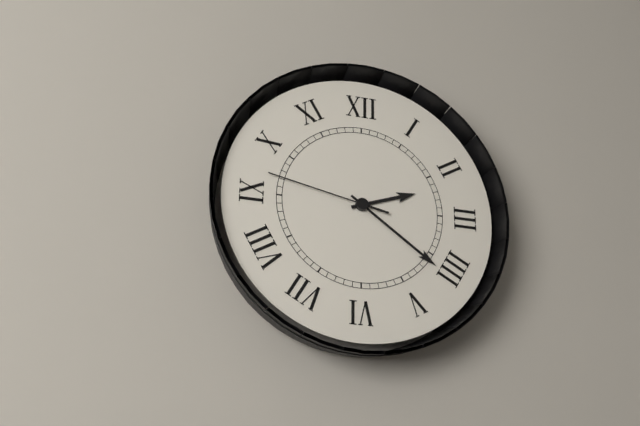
2 h 21 min 47 s
